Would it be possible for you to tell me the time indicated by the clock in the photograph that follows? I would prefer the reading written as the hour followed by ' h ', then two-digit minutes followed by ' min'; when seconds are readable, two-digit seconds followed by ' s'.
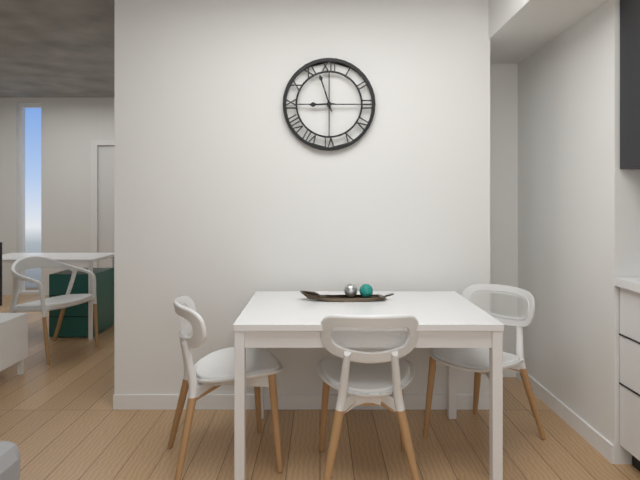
8 h 57 min
